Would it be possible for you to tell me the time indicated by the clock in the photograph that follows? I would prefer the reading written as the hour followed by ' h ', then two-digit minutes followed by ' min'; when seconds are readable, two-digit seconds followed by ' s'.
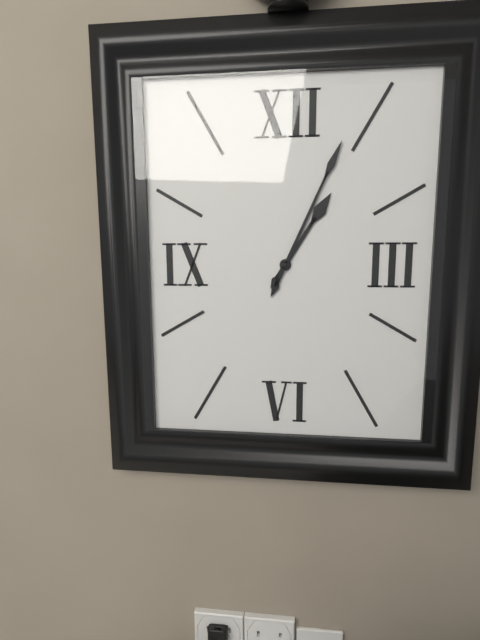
1 h 04 min
